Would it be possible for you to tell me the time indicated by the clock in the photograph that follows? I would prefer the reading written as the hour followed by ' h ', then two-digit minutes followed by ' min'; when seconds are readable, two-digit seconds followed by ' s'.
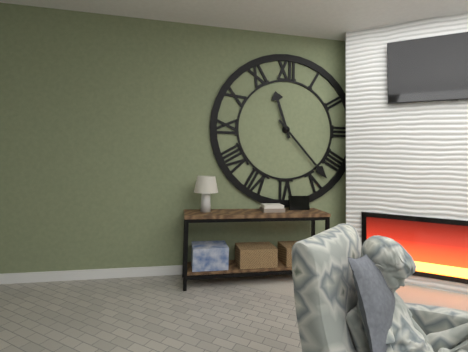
11 h 23 min
